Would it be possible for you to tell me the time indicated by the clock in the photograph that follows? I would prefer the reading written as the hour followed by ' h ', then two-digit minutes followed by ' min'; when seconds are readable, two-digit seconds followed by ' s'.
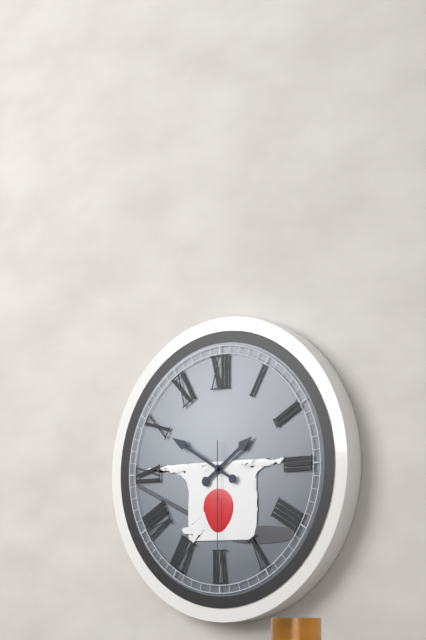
1 h 50 min 30 s
